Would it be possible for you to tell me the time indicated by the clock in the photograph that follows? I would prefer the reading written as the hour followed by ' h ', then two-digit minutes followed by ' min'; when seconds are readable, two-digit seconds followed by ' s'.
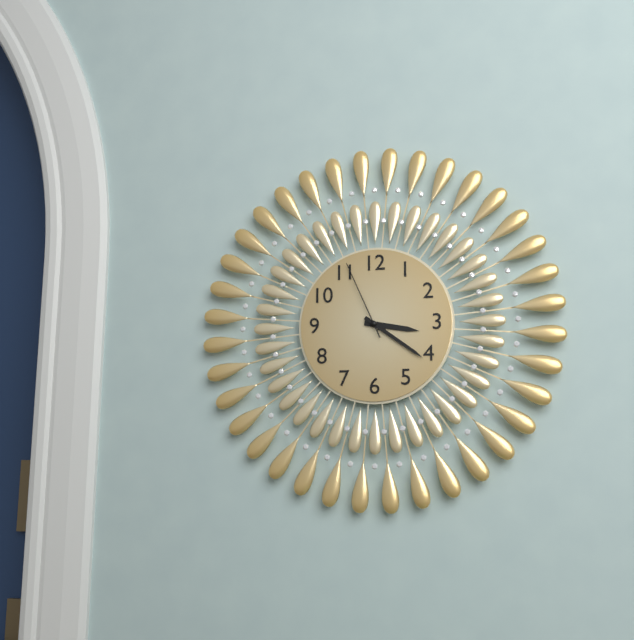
3 h 21 min 56 s
